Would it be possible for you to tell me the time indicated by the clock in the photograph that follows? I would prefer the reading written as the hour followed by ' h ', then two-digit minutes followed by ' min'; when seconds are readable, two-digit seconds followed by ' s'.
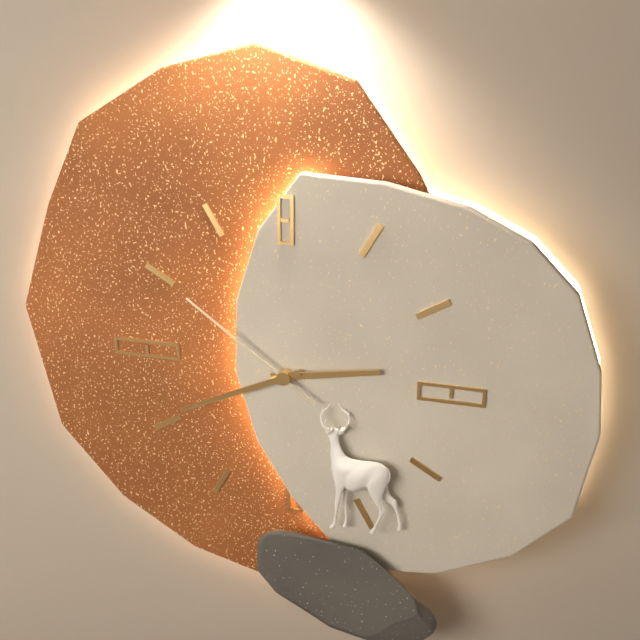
2 h 41 min 51 s
